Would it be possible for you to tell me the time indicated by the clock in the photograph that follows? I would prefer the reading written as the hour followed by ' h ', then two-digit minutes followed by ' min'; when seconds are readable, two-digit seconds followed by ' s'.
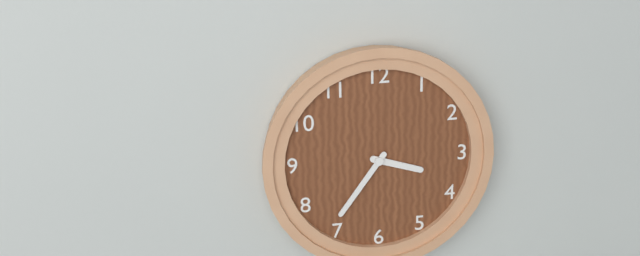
3 h 36 min
